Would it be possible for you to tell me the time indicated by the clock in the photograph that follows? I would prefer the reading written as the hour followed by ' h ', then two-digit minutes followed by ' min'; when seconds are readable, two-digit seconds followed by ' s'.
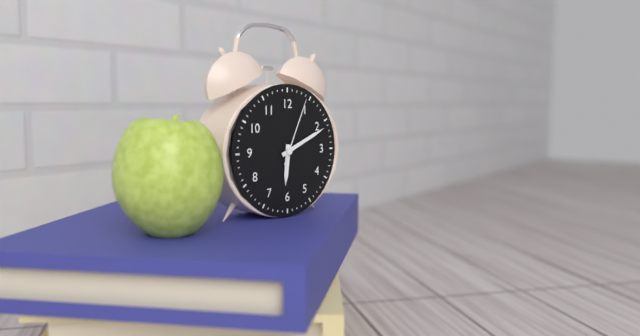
6 h 11 min 04 s
